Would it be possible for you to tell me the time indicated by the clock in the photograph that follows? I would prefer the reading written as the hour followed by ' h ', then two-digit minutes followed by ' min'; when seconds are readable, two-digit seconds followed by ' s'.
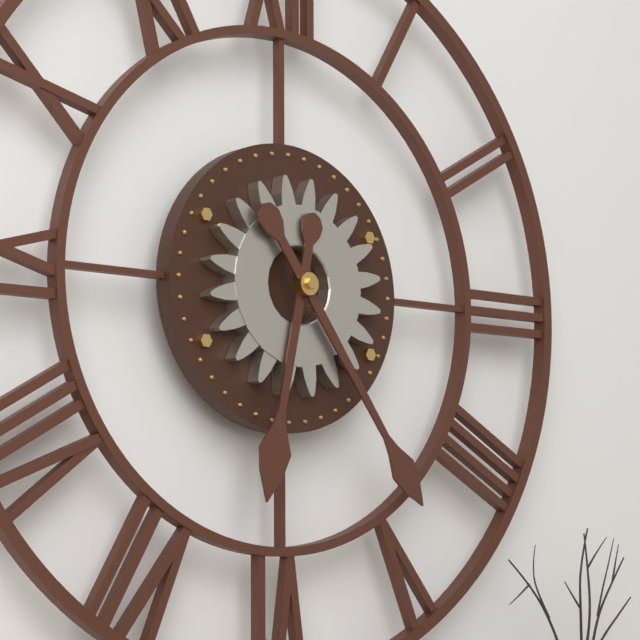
6 h 24 min
